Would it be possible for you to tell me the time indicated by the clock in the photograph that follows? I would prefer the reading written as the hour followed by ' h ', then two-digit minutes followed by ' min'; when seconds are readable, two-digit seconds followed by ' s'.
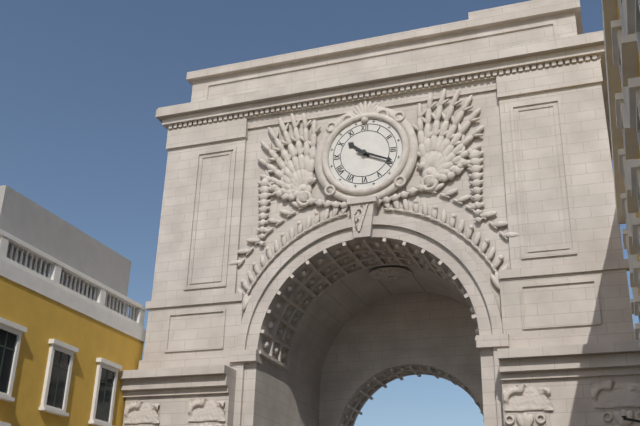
10 h 19 min
